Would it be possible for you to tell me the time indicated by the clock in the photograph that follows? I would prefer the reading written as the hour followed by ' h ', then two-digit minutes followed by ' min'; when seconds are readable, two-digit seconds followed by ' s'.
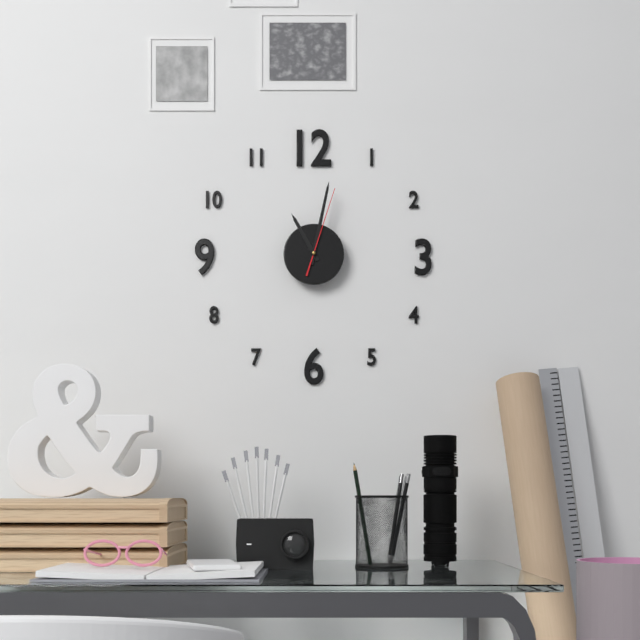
11 h 02 min 03 s
